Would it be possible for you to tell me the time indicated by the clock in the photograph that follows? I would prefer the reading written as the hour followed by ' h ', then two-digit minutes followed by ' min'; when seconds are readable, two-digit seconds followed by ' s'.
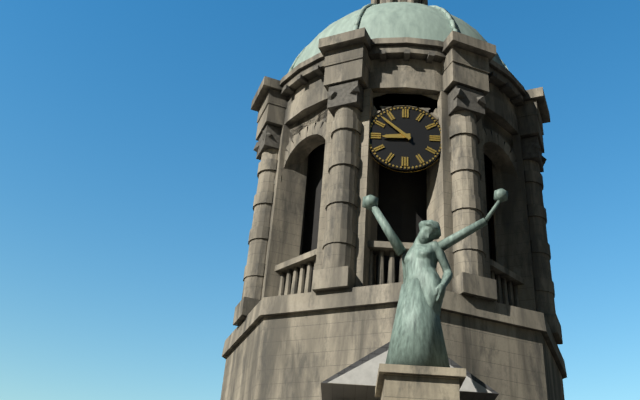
8 h 52 min
